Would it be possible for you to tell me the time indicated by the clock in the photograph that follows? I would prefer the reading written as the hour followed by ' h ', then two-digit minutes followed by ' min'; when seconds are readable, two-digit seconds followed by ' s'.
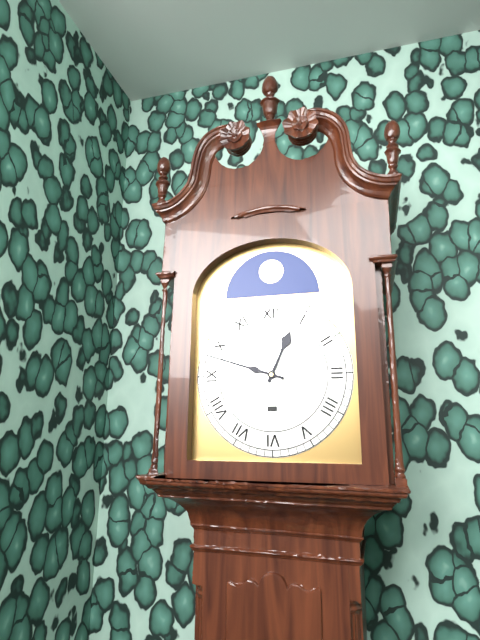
12 h 48 min
